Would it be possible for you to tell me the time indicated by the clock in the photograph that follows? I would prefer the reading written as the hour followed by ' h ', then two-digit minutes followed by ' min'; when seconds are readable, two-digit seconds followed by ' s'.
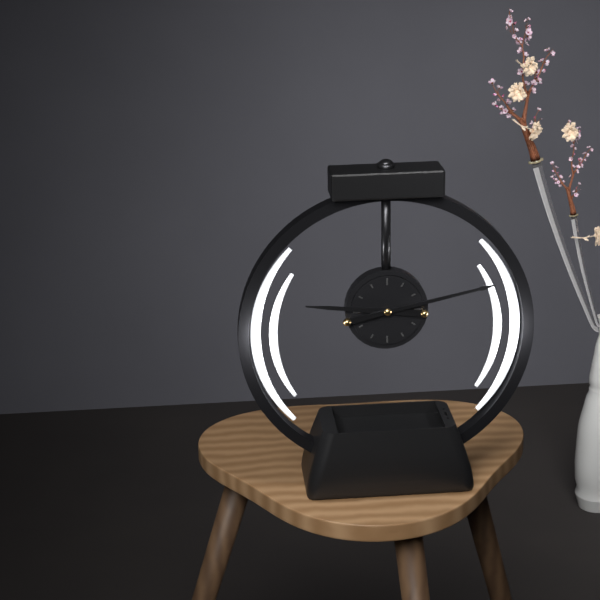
9 h 13 min
